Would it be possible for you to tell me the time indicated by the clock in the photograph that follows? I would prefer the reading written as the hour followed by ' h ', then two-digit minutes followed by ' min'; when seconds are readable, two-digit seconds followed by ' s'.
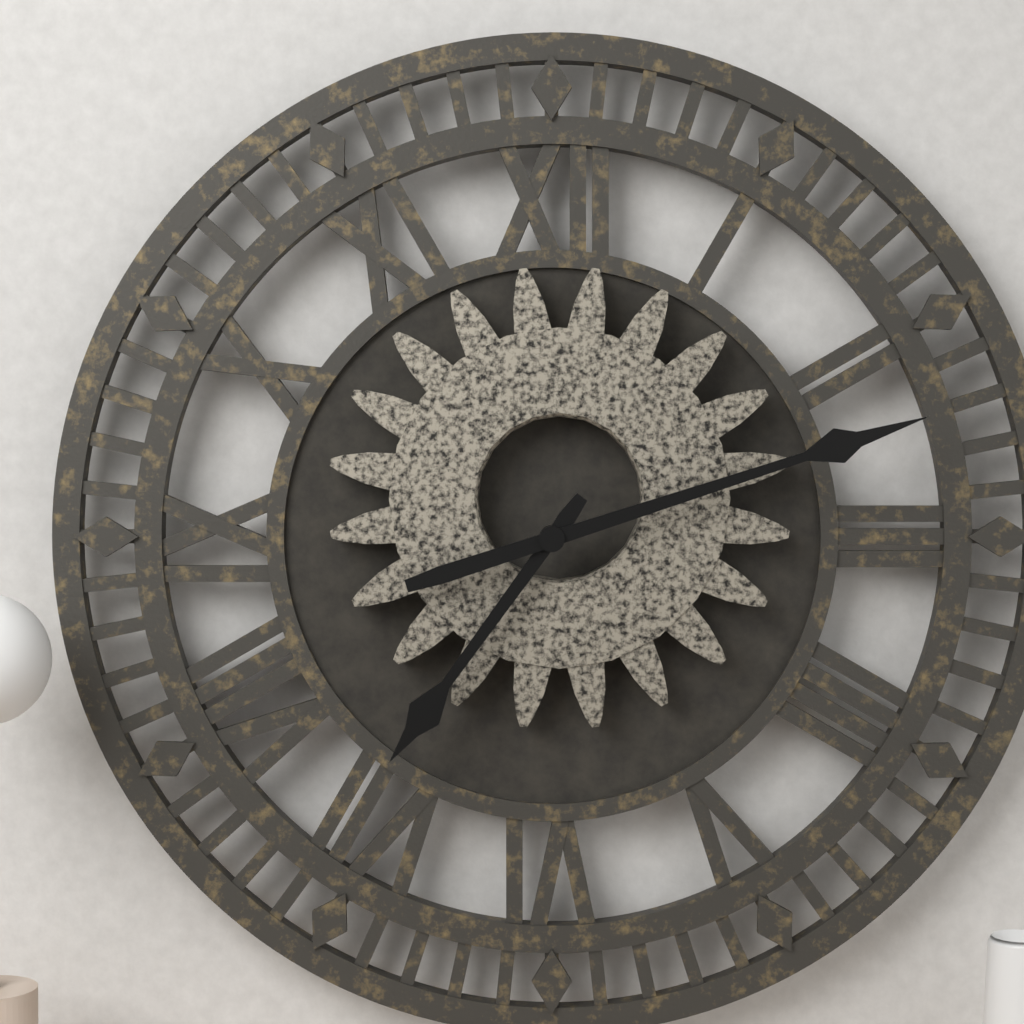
7 h 12 min
